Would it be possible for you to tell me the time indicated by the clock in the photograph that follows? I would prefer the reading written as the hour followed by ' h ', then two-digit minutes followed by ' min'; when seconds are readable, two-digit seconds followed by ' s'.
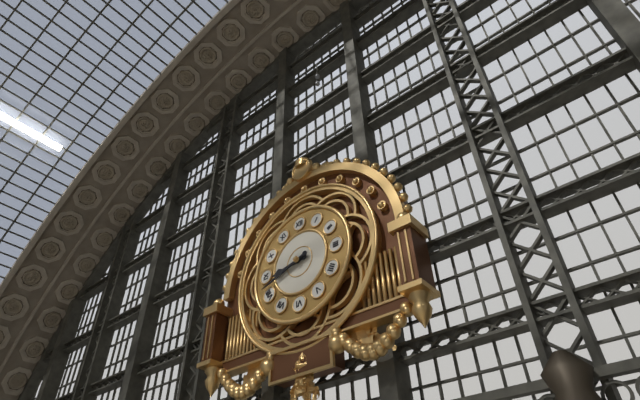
8 h 42 min
